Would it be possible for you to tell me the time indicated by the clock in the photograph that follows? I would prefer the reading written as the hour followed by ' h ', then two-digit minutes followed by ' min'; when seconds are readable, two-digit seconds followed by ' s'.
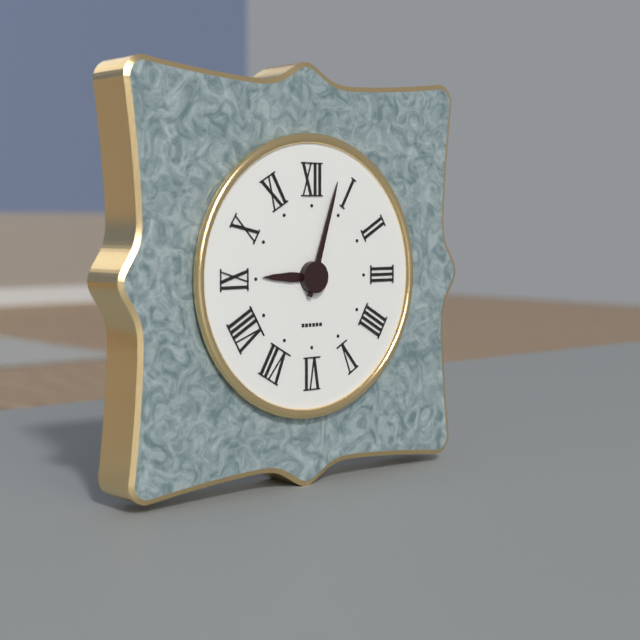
9 h 03 min
